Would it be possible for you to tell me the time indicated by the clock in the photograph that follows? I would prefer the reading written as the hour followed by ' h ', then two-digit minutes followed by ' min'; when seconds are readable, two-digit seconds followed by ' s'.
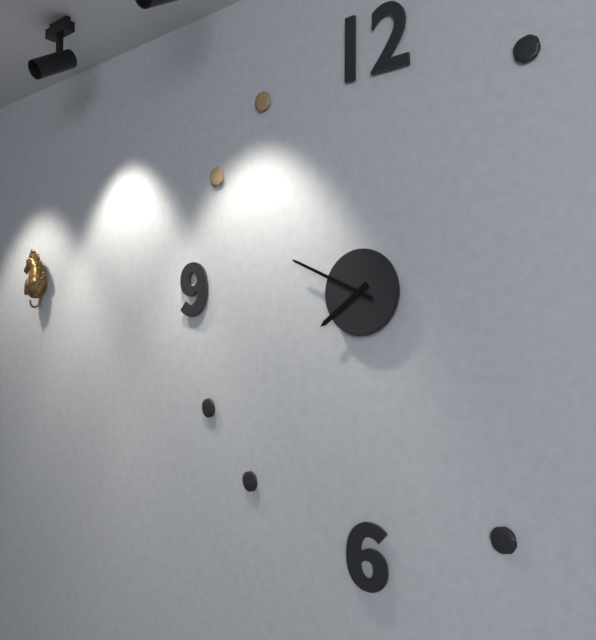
7 h 49 min
